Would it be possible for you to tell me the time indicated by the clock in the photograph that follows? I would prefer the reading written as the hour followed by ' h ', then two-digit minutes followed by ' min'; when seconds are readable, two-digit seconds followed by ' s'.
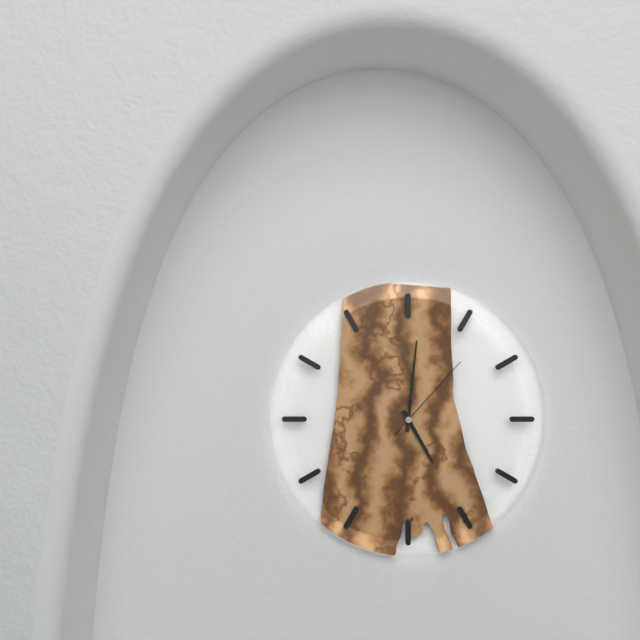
5 h 01 min 07 s
